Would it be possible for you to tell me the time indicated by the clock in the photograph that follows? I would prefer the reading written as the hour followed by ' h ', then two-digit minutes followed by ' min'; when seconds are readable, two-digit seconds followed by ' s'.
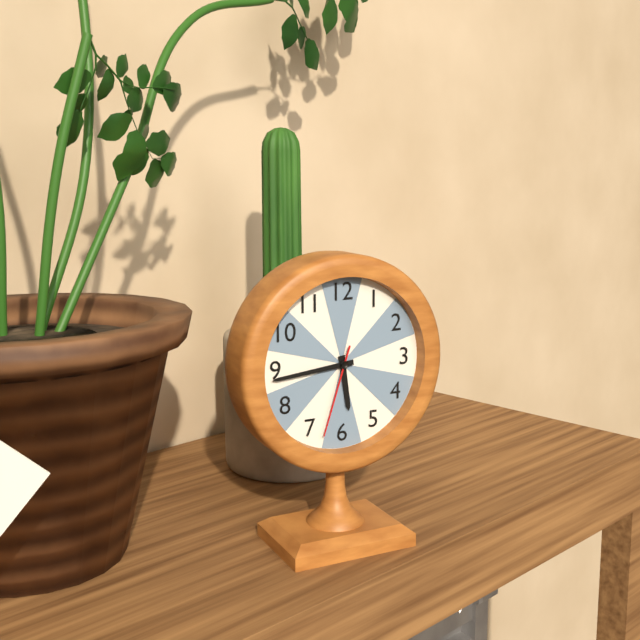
5 h 44 min 33 s
